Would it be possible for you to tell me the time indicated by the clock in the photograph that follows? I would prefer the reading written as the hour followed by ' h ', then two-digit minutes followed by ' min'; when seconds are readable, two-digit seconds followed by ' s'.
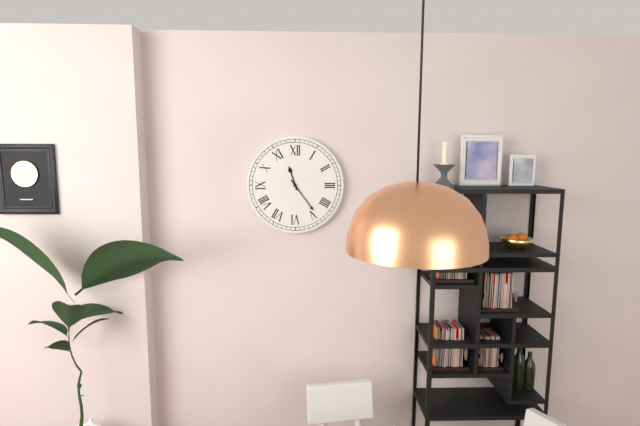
11 h 24 min
